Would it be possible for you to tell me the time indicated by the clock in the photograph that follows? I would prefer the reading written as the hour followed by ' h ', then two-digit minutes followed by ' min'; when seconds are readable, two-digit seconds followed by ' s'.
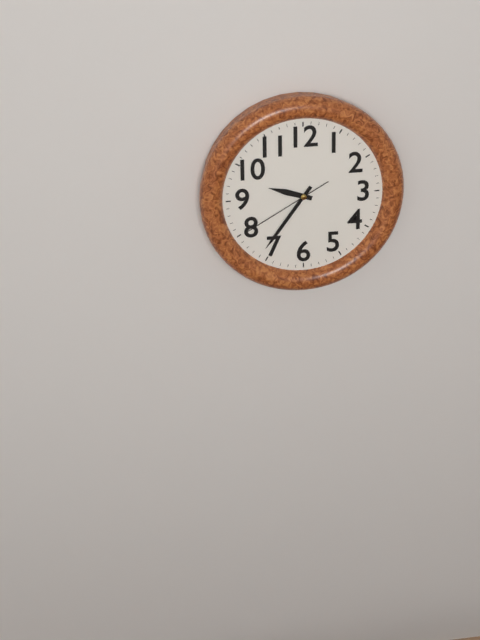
9 h 36 min 40 s
